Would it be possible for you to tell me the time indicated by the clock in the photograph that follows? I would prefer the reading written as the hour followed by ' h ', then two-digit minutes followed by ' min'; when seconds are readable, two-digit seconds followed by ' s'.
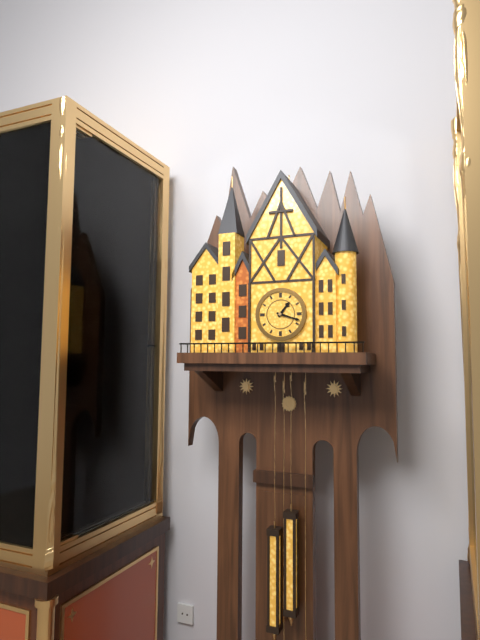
1 h 18 min
